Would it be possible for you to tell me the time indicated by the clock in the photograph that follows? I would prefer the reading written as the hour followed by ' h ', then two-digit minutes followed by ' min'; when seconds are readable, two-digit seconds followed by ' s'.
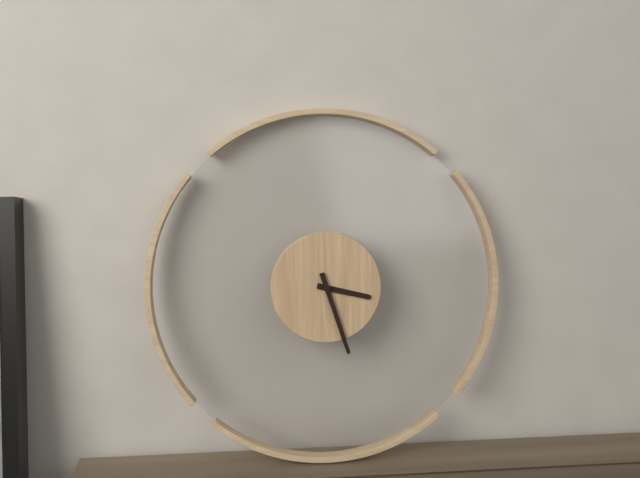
3 h 27 min
